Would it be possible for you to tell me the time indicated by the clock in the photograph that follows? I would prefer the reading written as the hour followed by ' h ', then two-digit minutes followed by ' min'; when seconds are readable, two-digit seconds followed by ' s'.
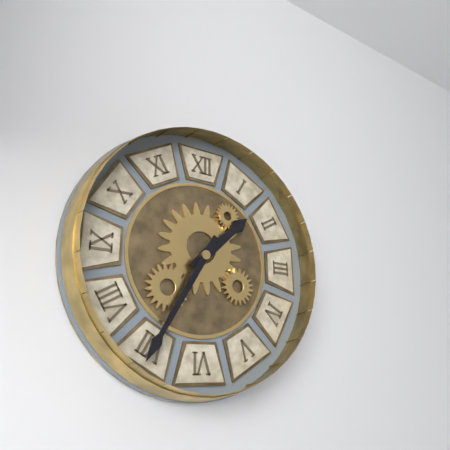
1 h 35 min
